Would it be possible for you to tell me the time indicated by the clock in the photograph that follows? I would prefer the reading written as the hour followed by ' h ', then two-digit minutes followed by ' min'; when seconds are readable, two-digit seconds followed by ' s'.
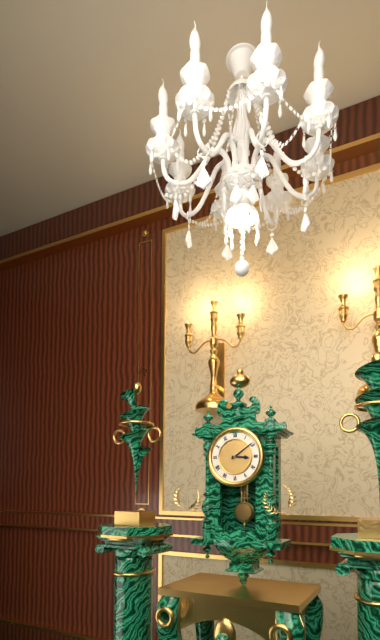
3 h 09 min
